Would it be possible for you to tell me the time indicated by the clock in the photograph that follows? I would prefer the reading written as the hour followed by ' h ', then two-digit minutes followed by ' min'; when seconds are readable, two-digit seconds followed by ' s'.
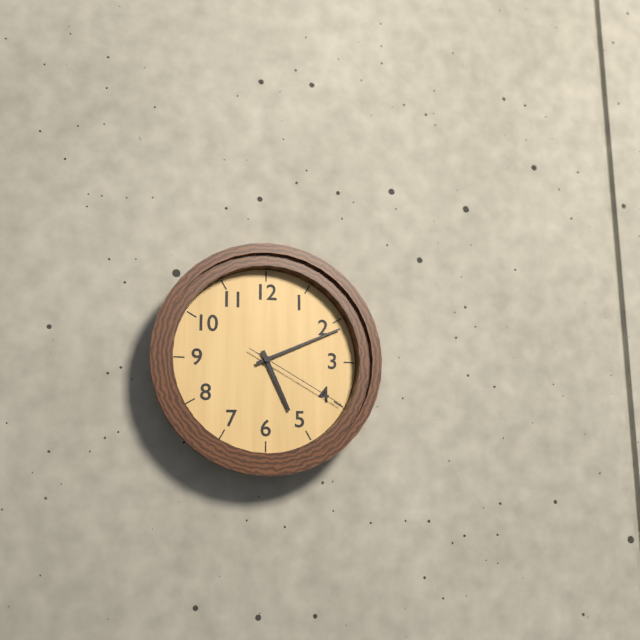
5 h 11 min 20 s
